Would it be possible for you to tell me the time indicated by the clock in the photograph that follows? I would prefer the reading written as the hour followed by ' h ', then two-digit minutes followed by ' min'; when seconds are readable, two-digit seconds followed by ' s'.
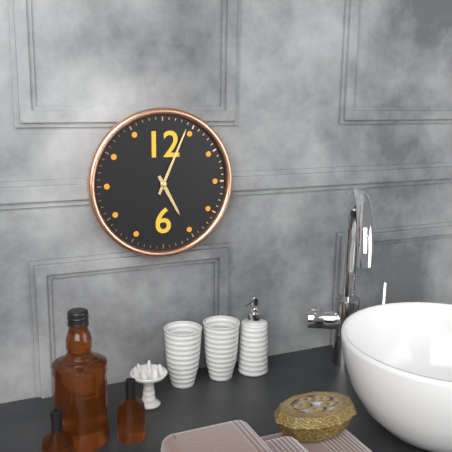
5 h 04 min
